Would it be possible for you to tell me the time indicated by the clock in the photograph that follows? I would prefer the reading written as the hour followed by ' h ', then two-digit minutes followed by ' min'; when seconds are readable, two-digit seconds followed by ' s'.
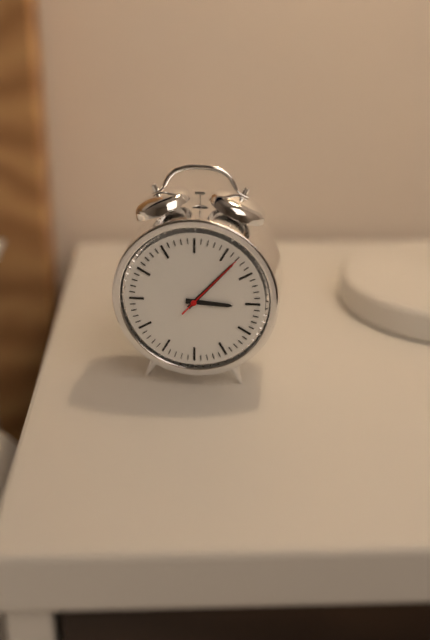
3 h 07 min 07 s
